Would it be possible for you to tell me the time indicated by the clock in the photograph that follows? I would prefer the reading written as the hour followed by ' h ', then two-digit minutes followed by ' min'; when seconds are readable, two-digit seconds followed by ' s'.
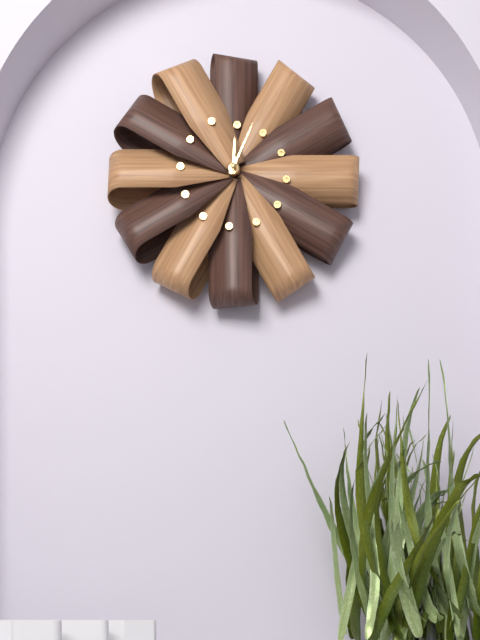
12 h 04 min
